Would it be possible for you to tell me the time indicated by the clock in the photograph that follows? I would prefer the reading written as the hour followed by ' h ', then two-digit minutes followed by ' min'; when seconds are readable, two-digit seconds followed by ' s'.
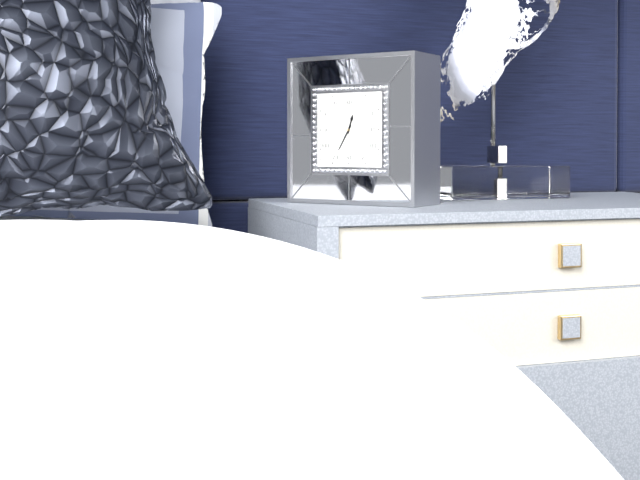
12 h 35 min
